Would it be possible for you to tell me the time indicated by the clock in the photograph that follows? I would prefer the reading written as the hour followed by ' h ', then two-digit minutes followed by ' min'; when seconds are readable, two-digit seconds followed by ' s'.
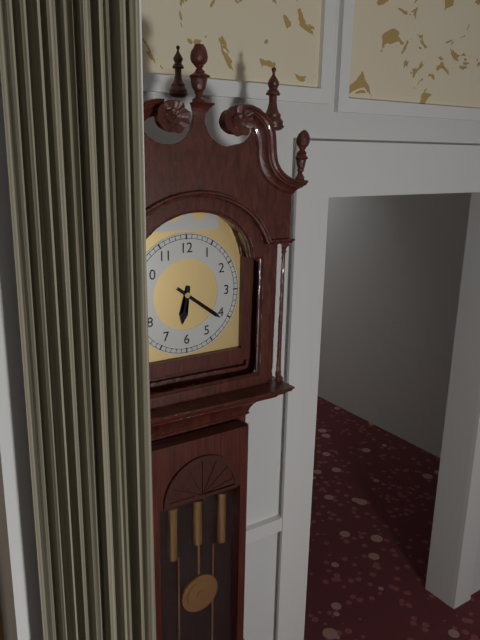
6 h 21 min
